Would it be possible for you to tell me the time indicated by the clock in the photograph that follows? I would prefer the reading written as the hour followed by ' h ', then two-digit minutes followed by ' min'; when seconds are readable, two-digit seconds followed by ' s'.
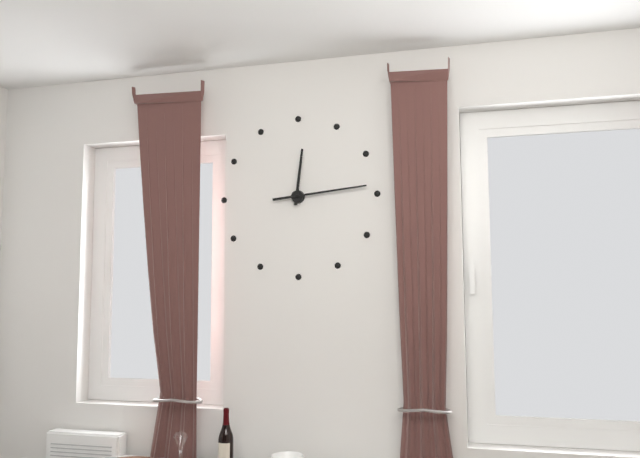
12 h 14 min
